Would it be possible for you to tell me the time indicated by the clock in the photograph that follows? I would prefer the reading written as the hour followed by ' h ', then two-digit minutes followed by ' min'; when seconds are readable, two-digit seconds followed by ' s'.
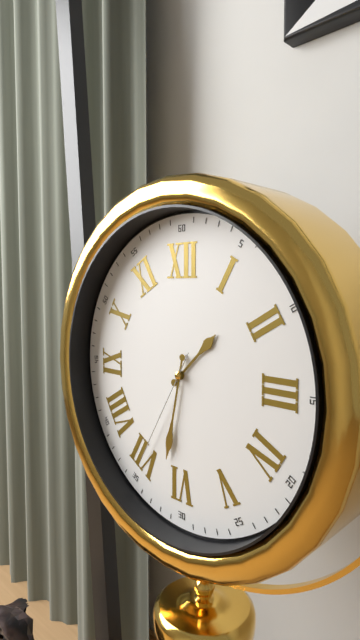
1 h 32 min 35 s
